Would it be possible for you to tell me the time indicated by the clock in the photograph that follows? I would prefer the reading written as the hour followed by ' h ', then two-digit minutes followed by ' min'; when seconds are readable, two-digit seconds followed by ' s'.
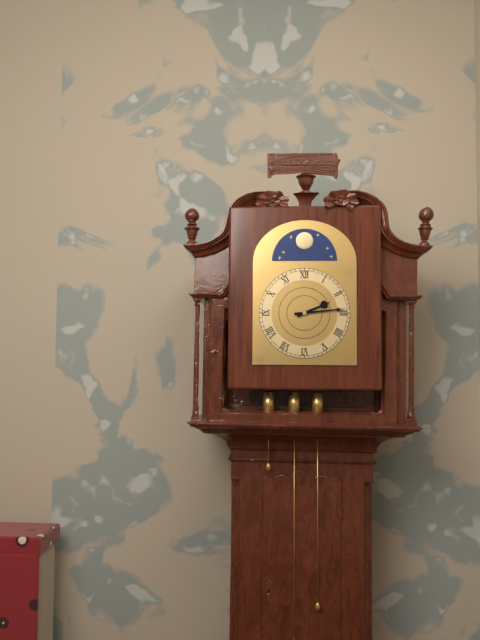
2 h 14 min
